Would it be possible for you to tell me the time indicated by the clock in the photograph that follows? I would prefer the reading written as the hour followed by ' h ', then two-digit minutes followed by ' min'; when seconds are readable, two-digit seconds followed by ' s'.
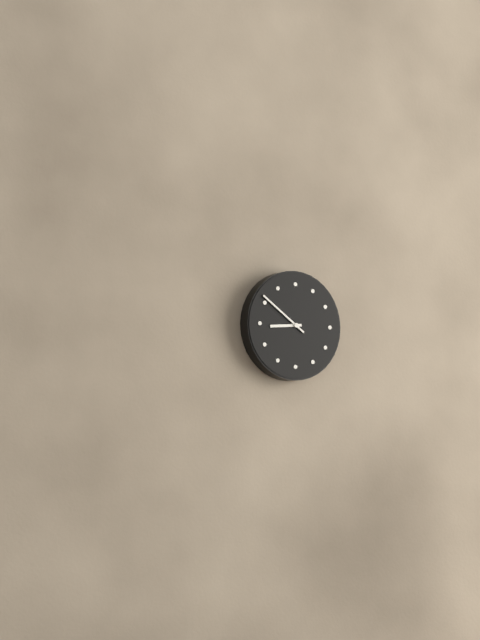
8 h 51 min
